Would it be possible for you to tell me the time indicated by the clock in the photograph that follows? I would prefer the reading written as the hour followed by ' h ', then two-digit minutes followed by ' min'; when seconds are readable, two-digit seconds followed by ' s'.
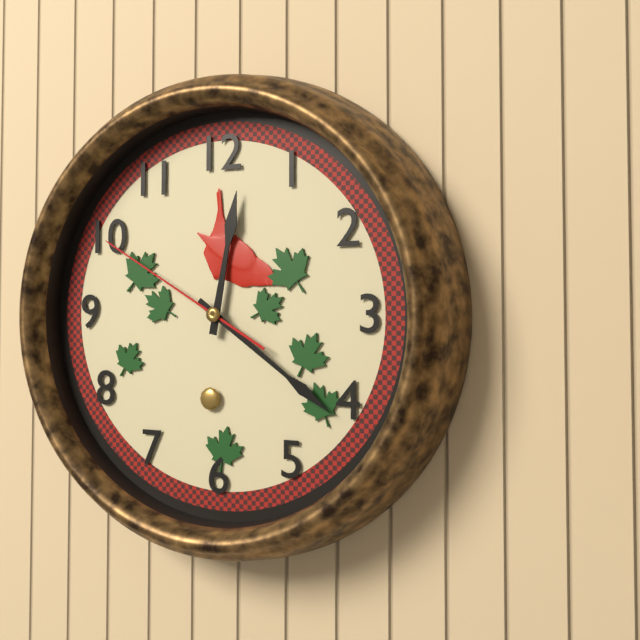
12 h 21 min 50 s
